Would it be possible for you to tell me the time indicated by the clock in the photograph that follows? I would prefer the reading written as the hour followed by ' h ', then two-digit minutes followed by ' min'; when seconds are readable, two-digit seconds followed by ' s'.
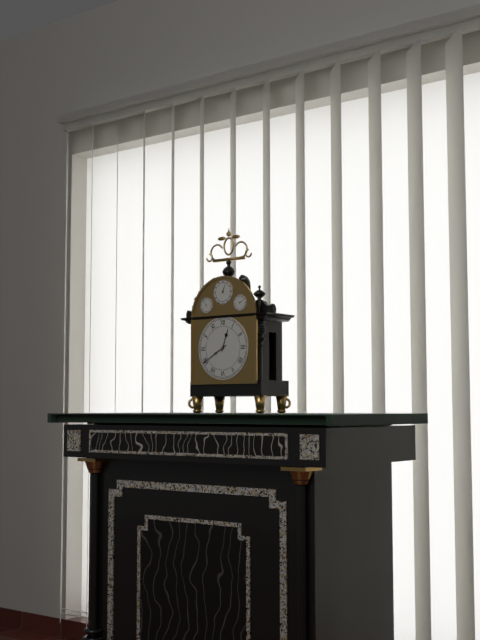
12 h 40 min
